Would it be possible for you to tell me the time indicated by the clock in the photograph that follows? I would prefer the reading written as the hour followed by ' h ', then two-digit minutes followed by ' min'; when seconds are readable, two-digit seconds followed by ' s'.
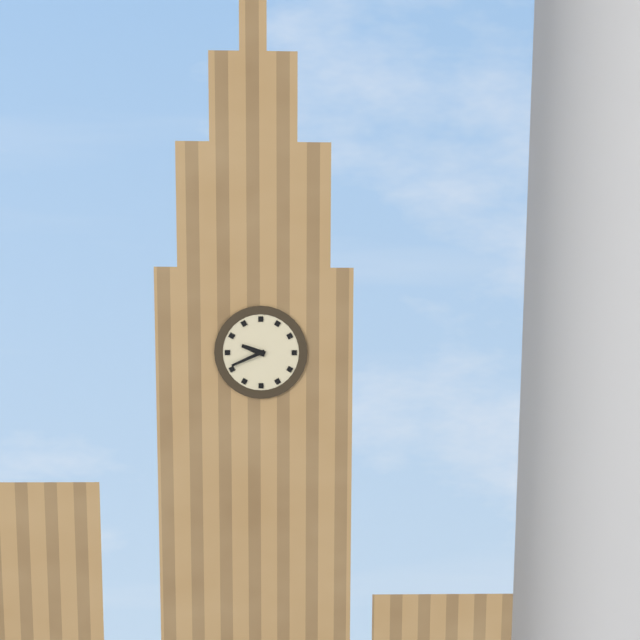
9 h 41 min
